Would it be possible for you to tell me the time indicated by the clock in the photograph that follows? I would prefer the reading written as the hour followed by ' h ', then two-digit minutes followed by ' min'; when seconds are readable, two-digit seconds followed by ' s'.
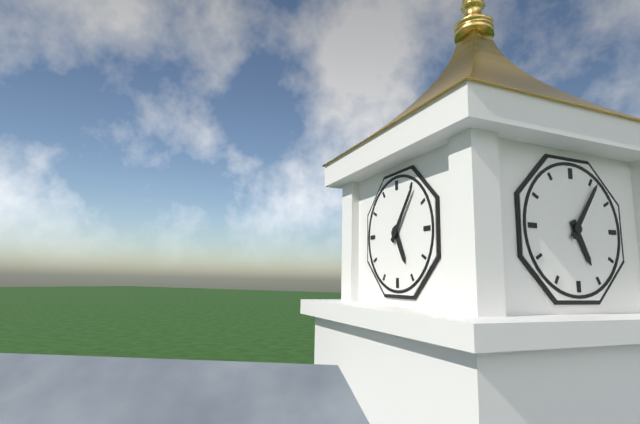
5 h 06 min
